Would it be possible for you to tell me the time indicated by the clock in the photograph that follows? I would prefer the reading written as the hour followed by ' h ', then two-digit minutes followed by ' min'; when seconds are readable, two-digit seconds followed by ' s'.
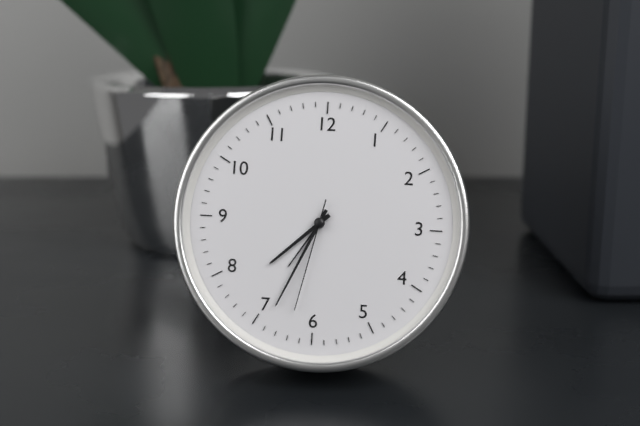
7 h 34 min 32 s
